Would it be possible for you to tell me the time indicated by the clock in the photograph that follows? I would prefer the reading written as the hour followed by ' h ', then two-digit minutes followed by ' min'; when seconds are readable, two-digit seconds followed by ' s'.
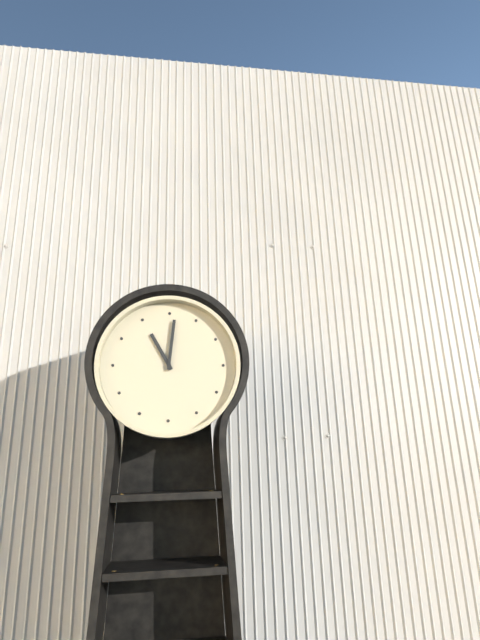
11 h 01 min
